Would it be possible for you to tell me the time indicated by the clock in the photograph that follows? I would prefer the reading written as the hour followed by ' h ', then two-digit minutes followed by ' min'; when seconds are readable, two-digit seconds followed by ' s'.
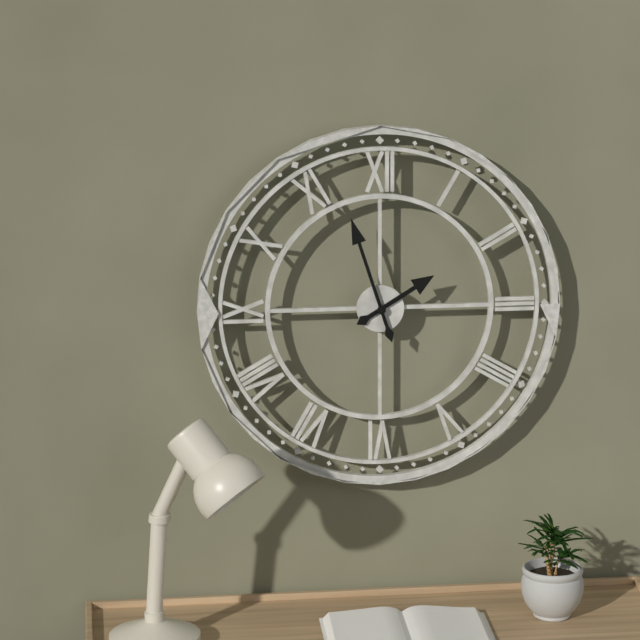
1 h 57 min
